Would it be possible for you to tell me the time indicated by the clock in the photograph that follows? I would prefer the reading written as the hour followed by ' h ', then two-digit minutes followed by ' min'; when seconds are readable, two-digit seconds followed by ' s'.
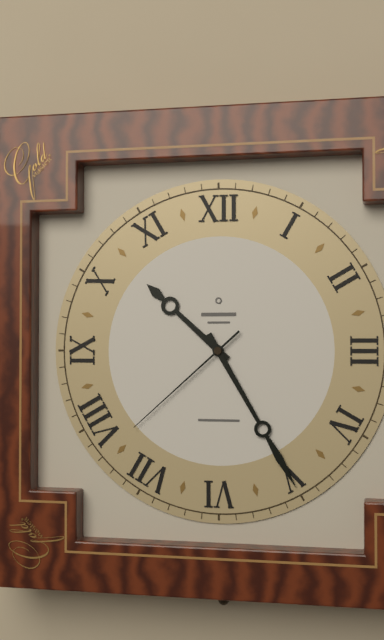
10 h 25 min 38 s
